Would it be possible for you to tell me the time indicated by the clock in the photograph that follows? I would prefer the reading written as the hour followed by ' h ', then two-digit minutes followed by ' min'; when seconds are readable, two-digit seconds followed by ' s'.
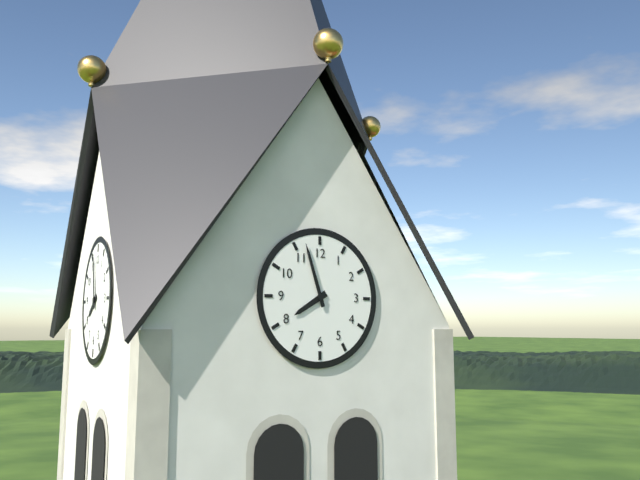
7 h 57 min
